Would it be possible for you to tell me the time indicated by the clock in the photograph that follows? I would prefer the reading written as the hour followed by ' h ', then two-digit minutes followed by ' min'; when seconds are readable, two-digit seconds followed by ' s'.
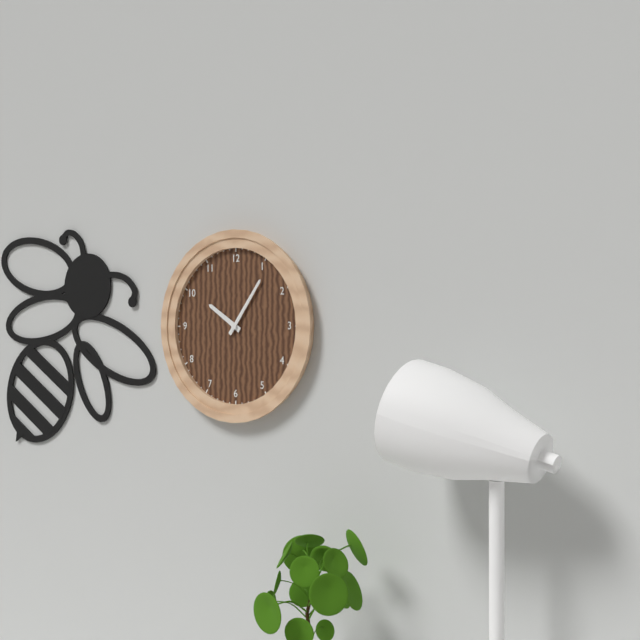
10 h 06 min
